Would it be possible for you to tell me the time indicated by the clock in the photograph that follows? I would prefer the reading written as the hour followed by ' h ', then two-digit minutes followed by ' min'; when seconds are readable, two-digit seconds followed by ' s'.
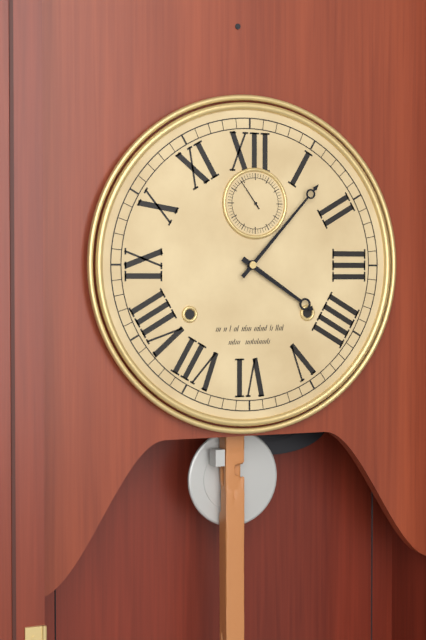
4 h 07 min
